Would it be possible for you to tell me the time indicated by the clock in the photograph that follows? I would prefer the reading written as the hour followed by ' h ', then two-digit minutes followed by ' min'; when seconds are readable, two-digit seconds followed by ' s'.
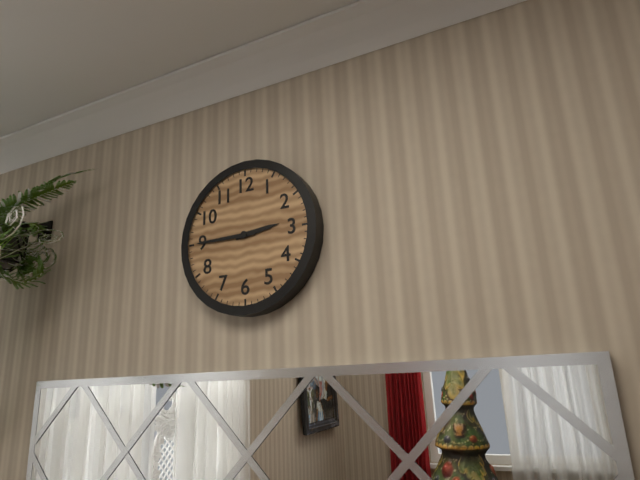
2 h 45 min
